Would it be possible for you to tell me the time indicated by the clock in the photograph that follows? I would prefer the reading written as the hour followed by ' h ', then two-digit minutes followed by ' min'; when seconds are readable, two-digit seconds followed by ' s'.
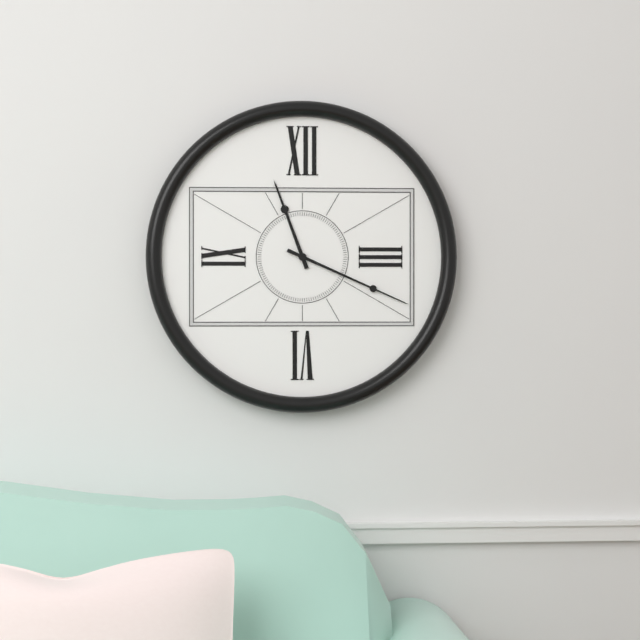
11 h 19 min
